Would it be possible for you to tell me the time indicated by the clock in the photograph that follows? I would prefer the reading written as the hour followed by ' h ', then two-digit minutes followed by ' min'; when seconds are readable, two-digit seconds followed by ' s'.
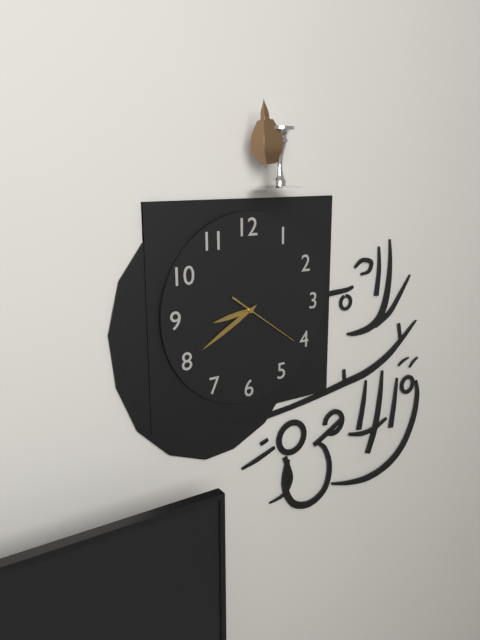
8 h 40 min 21 s
